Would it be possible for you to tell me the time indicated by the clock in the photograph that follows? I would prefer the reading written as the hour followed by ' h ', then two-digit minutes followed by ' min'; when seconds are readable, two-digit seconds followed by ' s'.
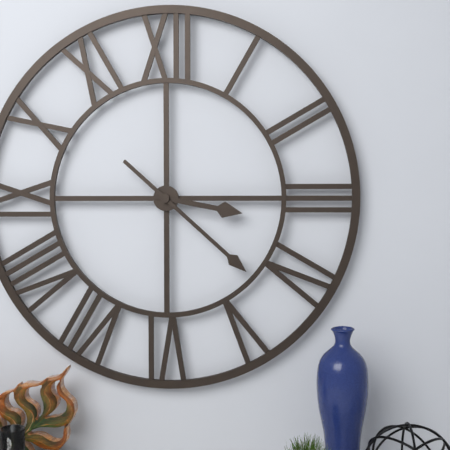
3 h 22 min
